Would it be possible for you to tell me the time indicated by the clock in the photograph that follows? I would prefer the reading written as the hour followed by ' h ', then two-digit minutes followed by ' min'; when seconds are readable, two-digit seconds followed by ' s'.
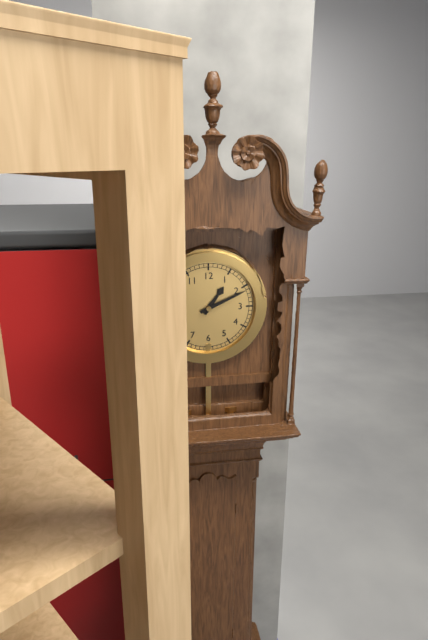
1 h 11 min
